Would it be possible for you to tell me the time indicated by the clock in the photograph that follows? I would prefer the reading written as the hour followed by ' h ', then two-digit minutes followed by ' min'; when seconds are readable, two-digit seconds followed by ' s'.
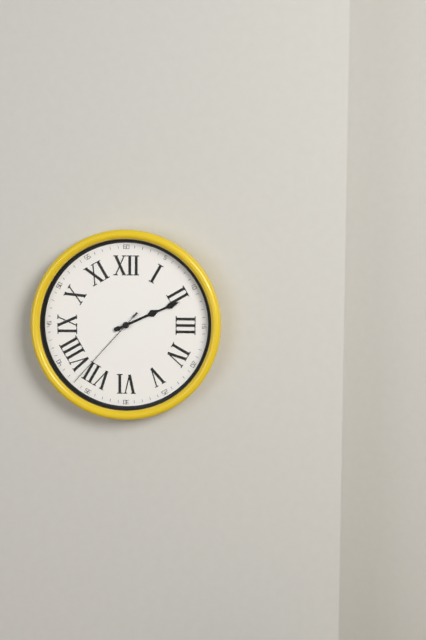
2 h 11 min 37 s
